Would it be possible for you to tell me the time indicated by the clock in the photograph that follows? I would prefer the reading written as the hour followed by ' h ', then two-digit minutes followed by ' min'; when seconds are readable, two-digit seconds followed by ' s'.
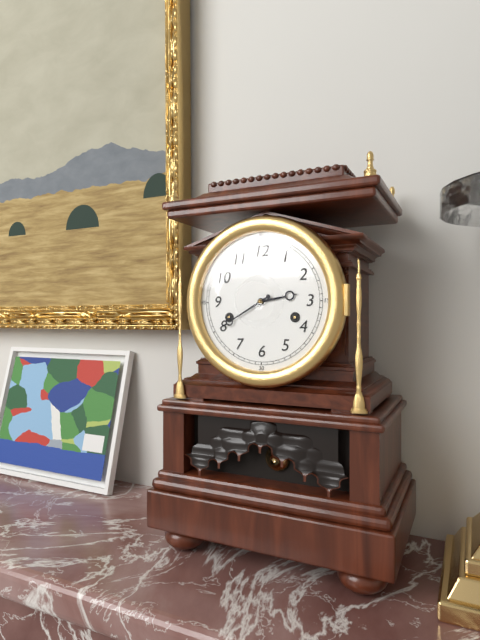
2 h 40 min
